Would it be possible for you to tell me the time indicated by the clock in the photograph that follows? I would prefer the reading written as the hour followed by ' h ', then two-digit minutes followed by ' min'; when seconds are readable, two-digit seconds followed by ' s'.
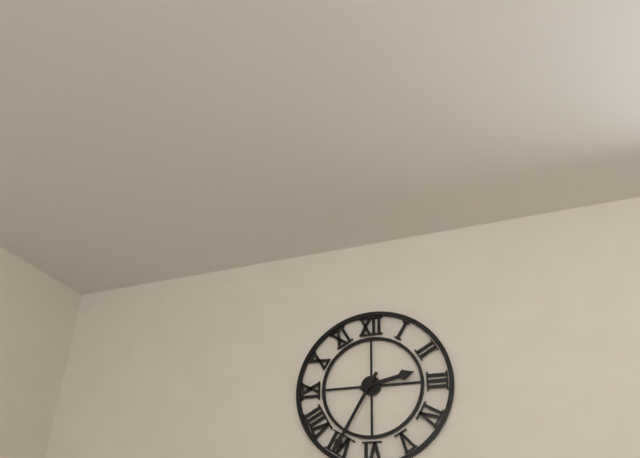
2 h 35 min
